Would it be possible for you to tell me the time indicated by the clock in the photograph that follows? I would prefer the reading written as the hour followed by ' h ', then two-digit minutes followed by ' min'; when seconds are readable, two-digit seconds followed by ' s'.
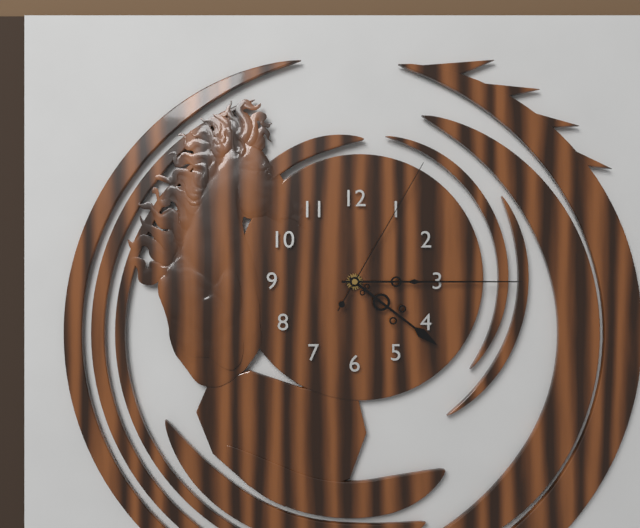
4 h 15 min 05 s
